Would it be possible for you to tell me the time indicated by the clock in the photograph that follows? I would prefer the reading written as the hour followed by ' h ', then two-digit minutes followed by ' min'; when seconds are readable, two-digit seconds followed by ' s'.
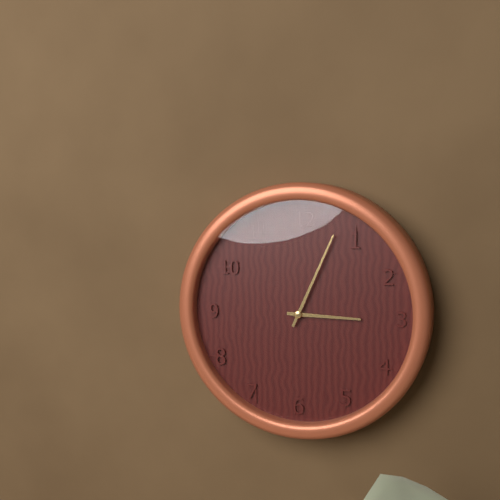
3 h 04 min
